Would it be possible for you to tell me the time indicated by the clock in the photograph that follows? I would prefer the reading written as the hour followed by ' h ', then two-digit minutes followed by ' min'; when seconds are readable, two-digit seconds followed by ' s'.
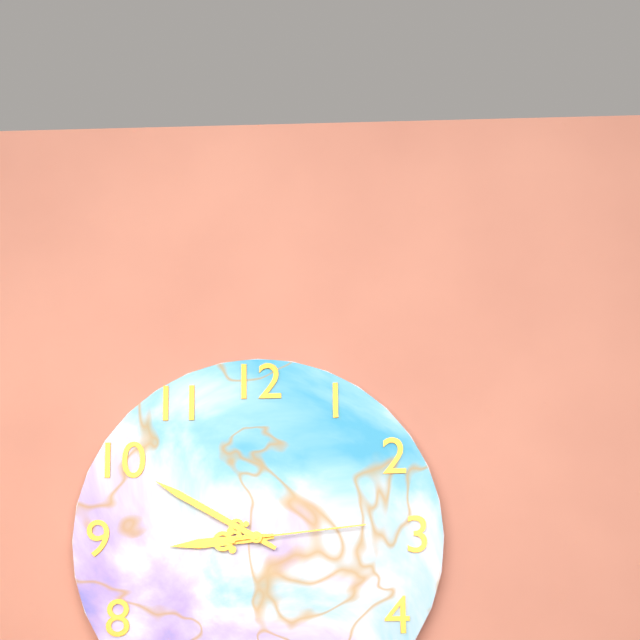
8 h 50 min 14 s
